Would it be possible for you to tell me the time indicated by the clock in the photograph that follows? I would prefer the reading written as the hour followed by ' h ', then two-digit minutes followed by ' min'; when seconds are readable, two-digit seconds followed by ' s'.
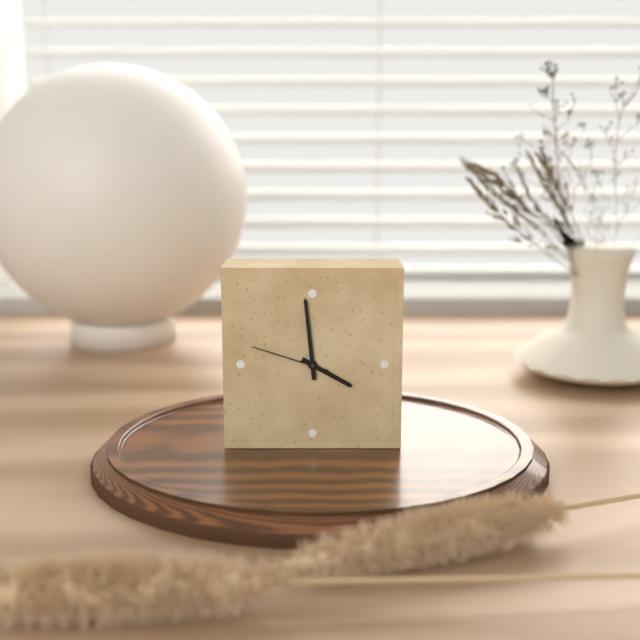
3 h 59 min 48 s
